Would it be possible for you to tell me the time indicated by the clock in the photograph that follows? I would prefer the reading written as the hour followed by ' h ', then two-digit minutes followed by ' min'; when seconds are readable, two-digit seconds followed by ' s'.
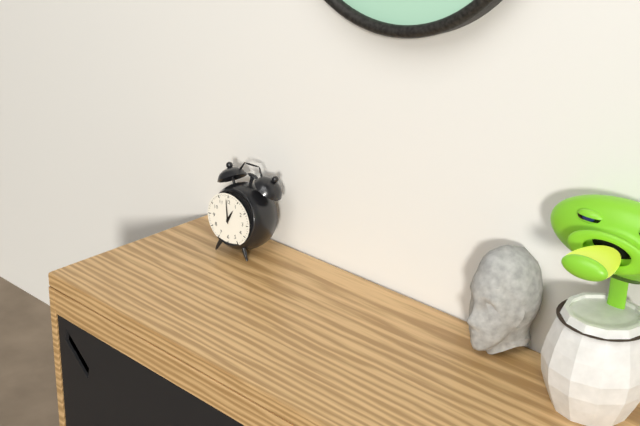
12 h 59 min
